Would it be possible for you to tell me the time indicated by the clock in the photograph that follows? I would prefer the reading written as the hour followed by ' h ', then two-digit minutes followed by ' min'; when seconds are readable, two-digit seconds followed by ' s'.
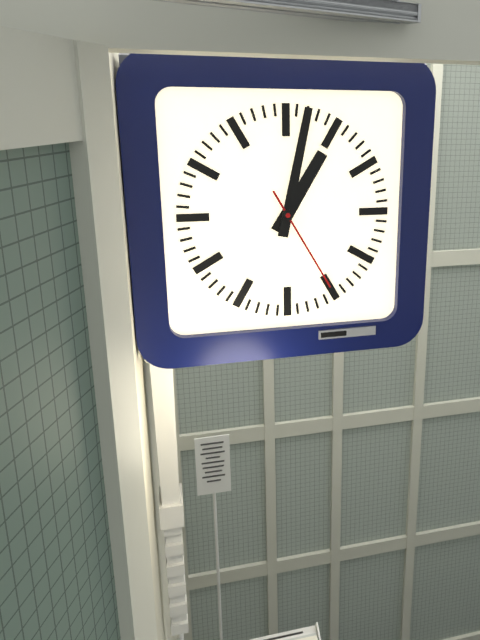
1 h 02 min 25 s
